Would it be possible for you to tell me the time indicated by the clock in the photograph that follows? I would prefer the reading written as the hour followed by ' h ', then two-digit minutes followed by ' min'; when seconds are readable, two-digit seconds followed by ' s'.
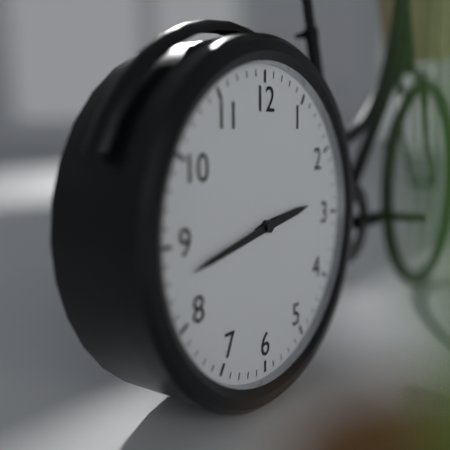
2 h 43 min
